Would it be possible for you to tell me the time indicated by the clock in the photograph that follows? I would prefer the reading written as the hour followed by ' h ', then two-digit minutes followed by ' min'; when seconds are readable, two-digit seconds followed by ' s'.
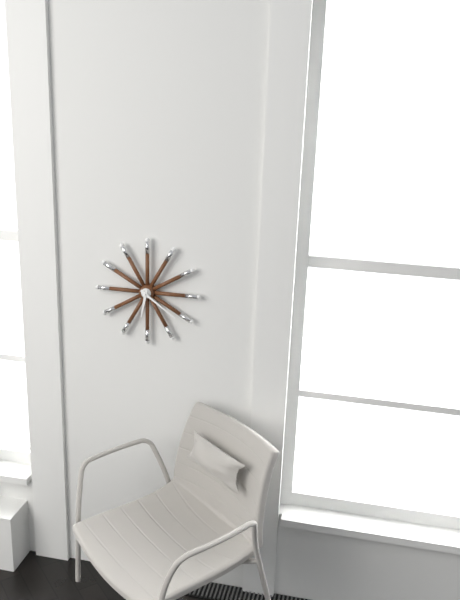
6 h 21 min
